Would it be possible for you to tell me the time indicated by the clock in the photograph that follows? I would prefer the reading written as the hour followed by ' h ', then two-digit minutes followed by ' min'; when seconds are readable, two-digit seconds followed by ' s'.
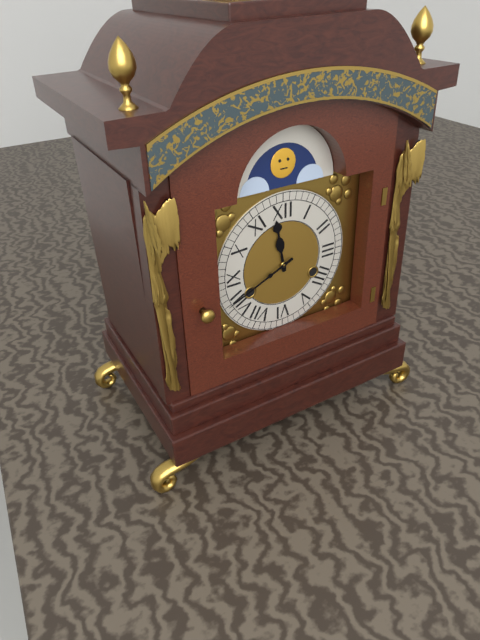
11 h 41 min
